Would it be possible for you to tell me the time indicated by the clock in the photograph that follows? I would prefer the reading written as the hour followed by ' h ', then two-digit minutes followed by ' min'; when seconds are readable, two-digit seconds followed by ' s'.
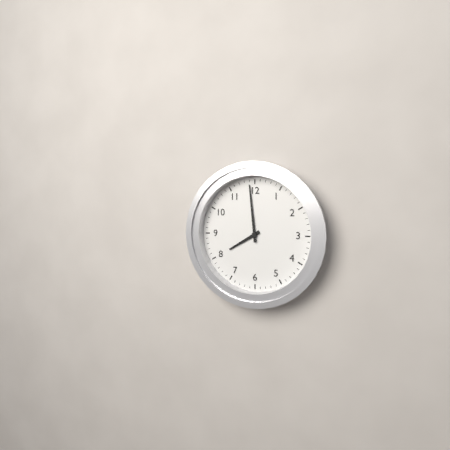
7 h 59 min
